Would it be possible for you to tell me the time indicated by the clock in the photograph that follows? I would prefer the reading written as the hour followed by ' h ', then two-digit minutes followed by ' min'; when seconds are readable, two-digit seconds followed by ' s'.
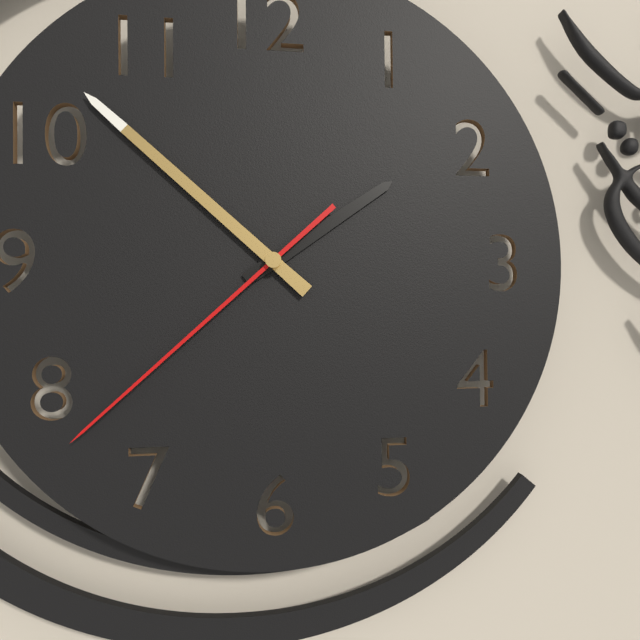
1 h 52 min 38 s
